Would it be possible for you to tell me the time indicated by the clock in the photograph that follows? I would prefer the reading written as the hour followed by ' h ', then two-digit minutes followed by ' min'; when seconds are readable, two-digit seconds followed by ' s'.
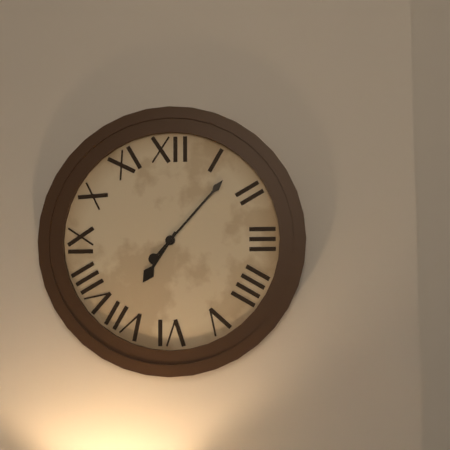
7 h 07 min
